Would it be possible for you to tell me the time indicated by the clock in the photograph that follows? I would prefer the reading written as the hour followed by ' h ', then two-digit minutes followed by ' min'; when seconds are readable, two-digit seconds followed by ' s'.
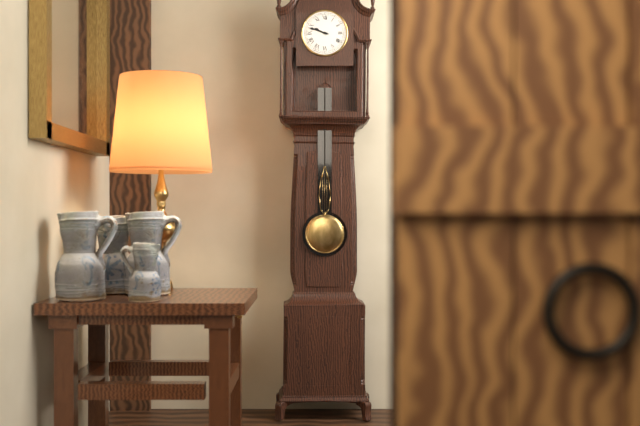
9 h 48 min
